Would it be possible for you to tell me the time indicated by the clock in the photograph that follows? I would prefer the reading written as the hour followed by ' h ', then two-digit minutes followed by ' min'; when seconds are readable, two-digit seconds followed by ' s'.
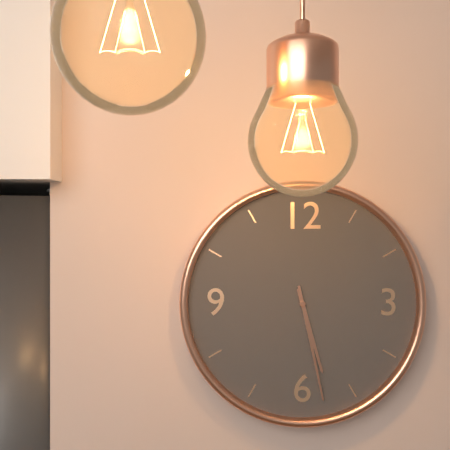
5 h 28 min
